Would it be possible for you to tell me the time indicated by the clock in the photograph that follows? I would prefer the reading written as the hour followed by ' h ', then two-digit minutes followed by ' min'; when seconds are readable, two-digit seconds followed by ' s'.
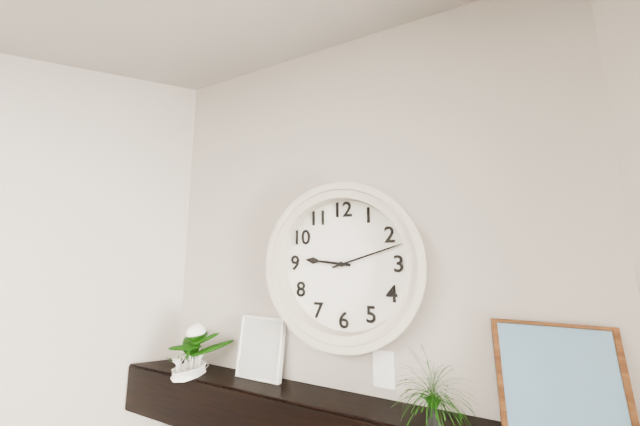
9 h 12 min
